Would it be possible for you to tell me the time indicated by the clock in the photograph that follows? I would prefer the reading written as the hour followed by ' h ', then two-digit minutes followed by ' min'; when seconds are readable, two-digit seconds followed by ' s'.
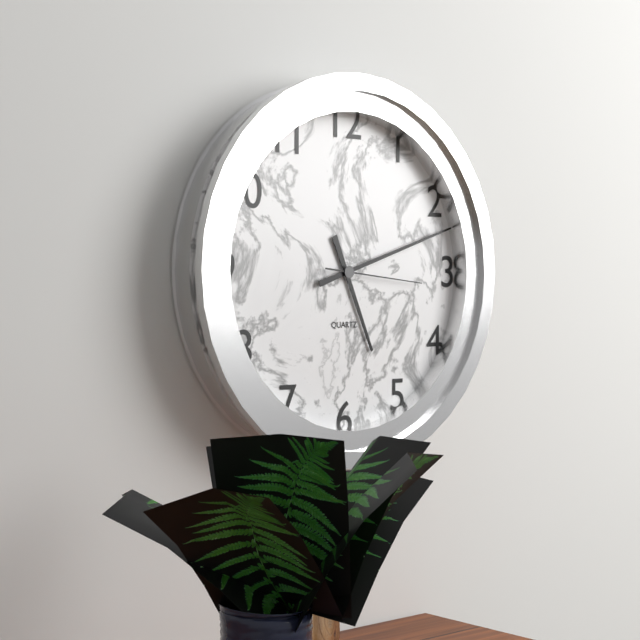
5 h 12 min 16 s
